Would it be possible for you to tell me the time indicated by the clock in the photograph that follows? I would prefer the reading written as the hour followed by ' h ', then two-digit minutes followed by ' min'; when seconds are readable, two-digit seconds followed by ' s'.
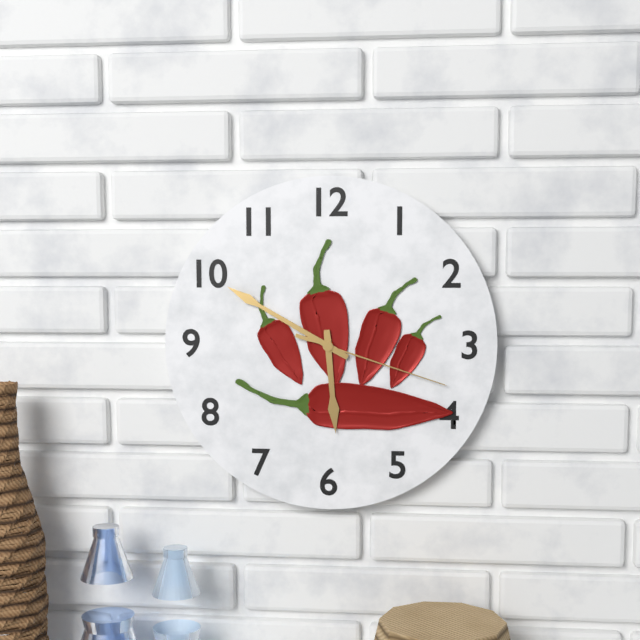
5 h 50 min 18 s
